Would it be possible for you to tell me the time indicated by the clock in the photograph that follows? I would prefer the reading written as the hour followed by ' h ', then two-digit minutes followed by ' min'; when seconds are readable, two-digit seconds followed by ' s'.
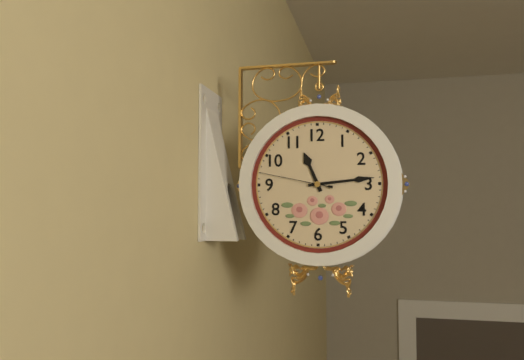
11 h 14 min 47 s
